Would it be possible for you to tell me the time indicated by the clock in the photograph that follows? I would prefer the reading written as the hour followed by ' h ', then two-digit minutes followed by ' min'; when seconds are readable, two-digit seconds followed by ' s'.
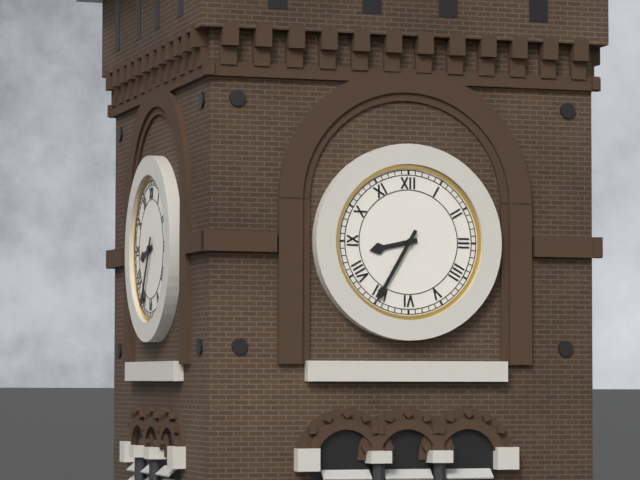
8 h 35 min
